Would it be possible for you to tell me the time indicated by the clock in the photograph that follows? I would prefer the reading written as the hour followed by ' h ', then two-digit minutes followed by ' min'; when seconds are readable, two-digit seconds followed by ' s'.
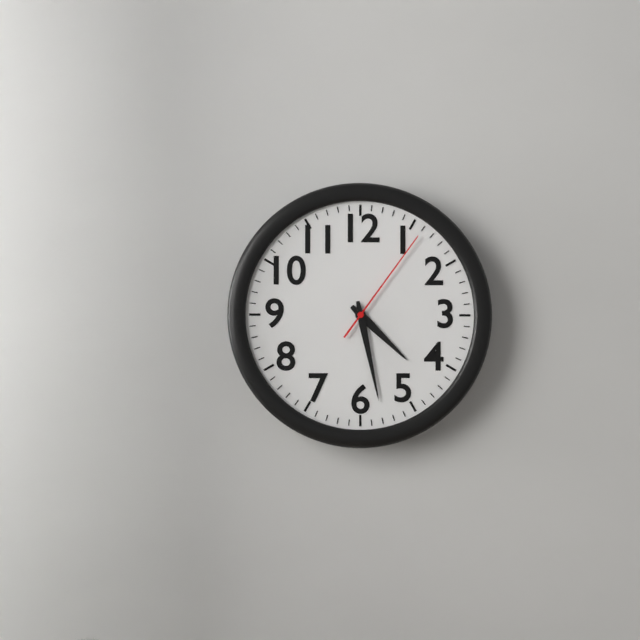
4 h 28 min 06 s
